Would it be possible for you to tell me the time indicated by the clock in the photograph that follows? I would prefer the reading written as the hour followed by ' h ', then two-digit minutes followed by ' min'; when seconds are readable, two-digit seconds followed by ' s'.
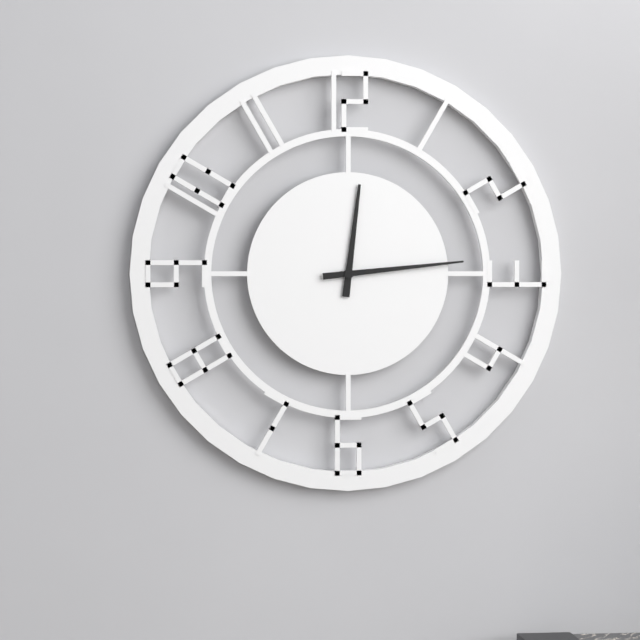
12 h 14 min
